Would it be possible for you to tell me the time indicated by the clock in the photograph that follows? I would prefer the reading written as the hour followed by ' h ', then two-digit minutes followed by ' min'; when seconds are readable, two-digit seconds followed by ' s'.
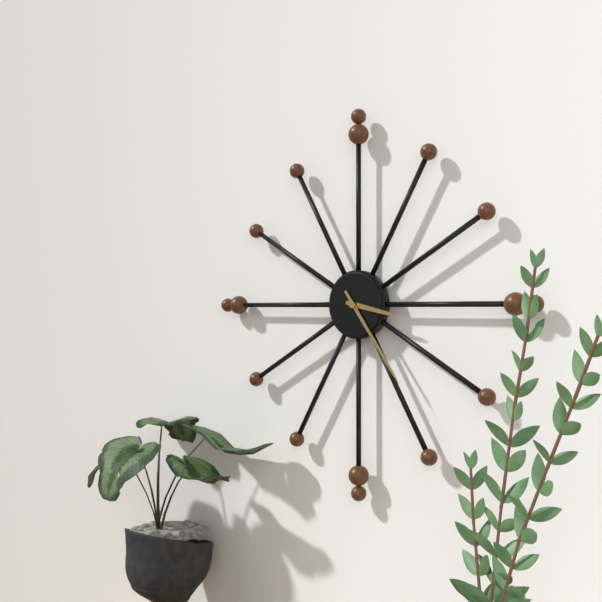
3 h 24 min
